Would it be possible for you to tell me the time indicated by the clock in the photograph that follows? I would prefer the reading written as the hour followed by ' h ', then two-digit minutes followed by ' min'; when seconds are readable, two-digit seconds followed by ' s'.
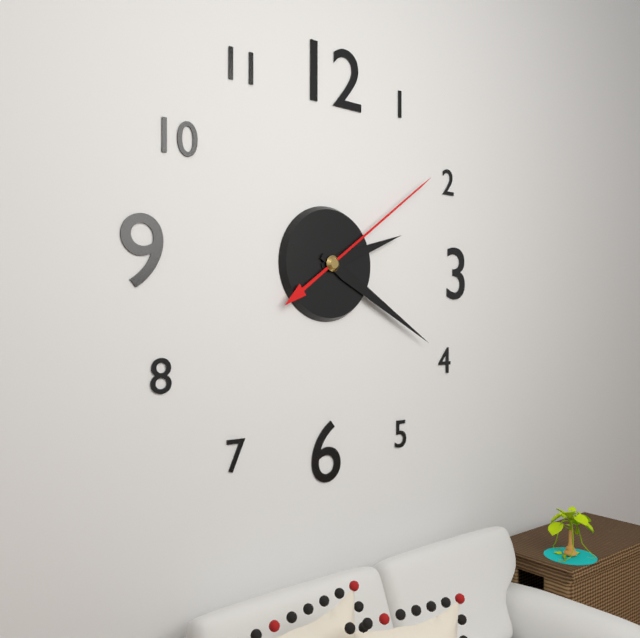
2 h 20 min 09 s
